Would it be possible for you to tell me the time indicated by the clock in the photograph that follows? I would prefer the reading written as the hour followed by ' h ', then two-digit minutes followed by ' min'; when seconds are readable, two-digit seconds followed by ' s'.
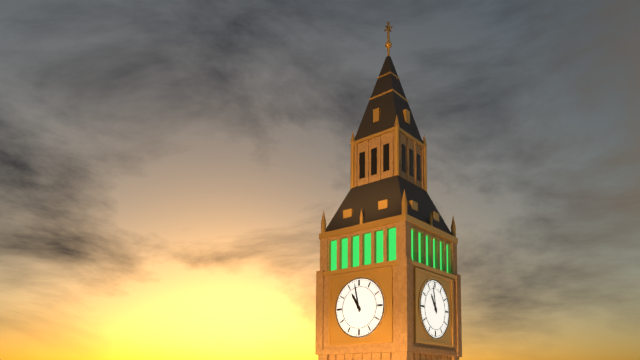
10 h 58 min
